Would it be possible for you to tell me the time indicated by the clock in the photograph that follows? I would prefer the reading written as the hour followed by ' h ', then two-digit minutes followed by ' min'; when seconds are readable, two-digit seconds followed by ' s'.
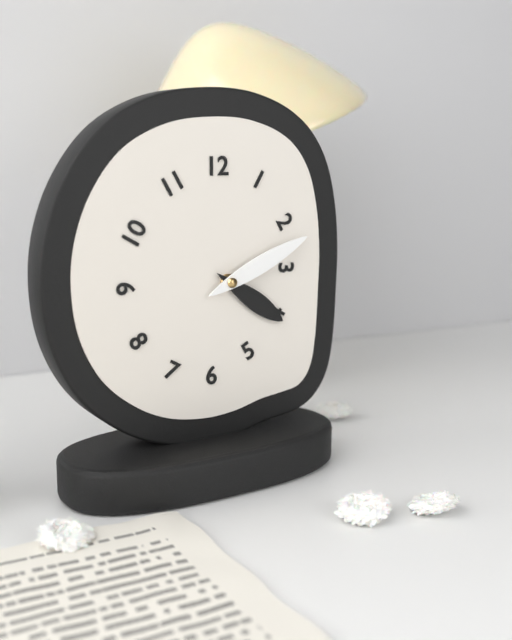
4 h 11 min
